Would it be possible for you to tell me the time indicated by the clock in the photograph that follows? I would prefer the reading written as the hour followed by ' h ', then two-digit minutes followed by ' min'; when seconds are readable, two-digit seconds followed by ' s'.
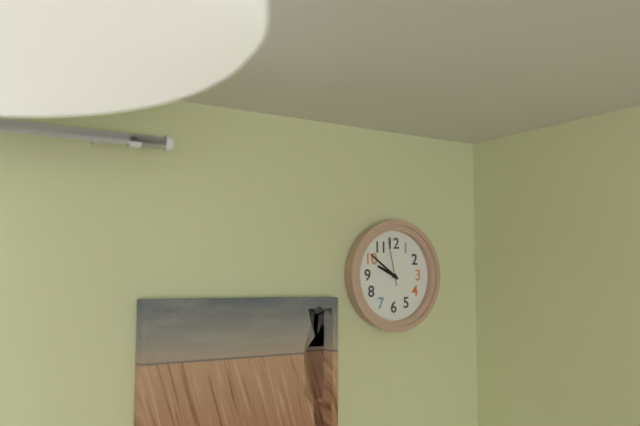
9 h 51 min
